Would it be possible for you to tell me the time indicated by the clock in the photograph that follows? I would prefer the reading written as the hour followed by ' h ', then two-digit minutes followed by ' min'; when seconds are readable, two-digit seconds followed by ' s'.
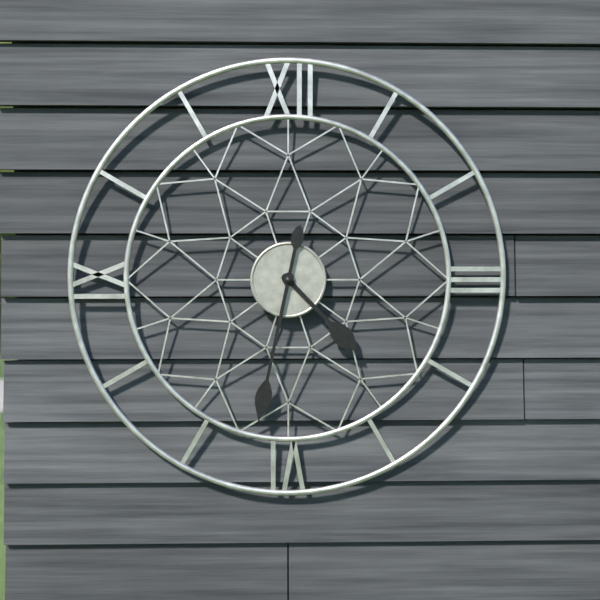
4 h 32 min
